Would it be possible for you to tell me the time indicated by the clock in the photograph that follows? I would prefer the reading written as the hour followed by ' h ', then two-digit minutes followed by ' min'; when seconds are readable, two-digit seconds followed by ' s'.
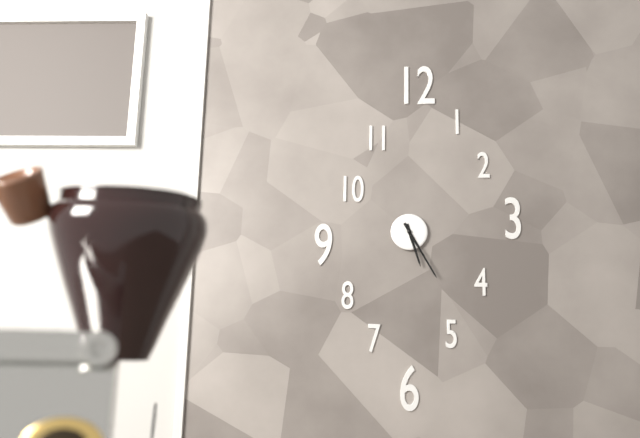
5 h 25 min
